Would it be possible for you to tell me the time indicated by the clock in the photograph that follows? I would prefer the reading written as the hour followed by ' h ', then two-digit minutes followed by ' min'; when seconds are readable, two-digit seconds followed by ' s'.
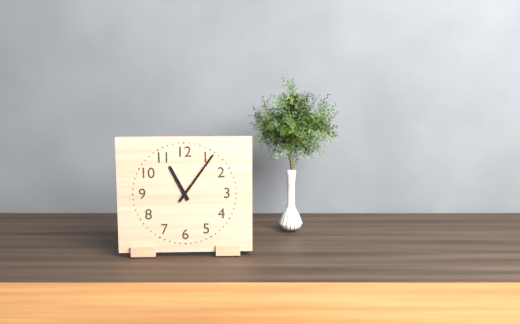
11 h 06 min
